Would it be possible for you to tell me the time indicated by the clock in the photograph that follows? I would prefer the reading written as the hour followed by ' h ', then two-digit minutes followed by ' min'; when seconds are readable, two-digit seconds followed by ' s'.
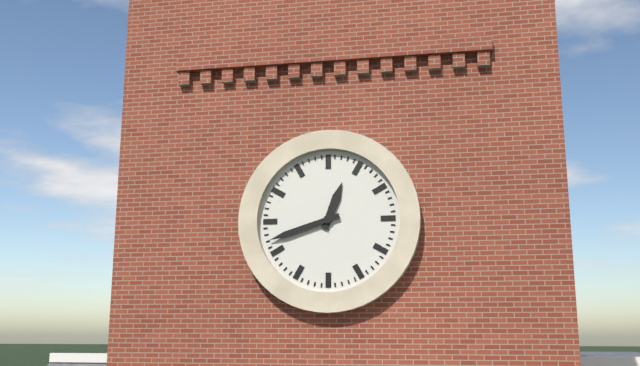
12 h 42 min
